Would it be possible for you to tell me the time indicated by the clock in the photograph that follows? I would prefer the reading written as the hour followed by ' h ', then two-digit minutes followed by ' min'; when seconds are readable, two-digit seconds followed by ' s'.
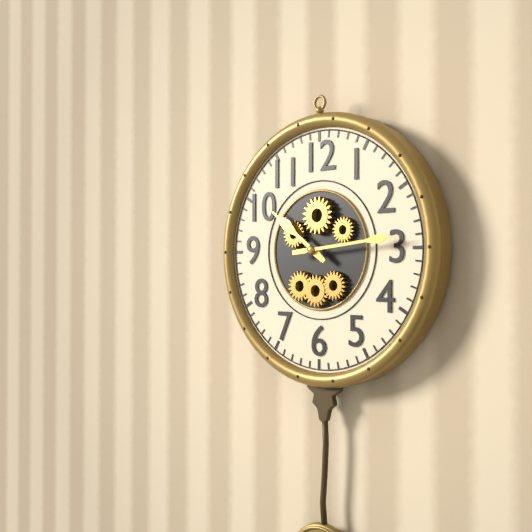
10 h 14 min
